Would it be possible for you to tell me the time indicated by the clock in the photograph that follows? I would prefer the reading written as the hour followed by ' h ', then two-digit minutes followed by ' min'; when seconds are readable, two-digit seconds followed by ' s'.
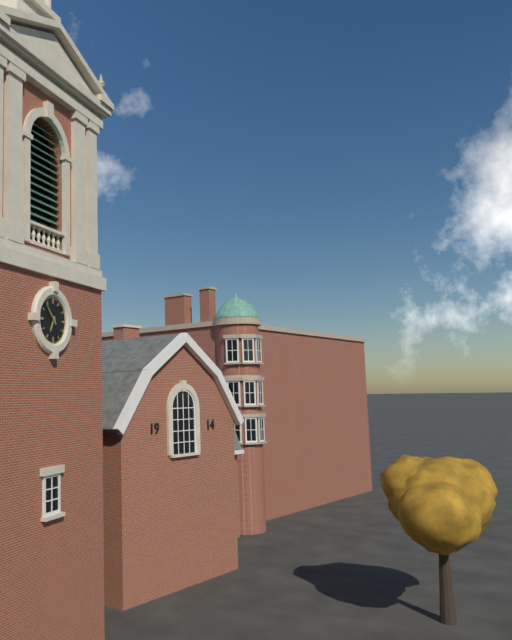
6 h 53 min
